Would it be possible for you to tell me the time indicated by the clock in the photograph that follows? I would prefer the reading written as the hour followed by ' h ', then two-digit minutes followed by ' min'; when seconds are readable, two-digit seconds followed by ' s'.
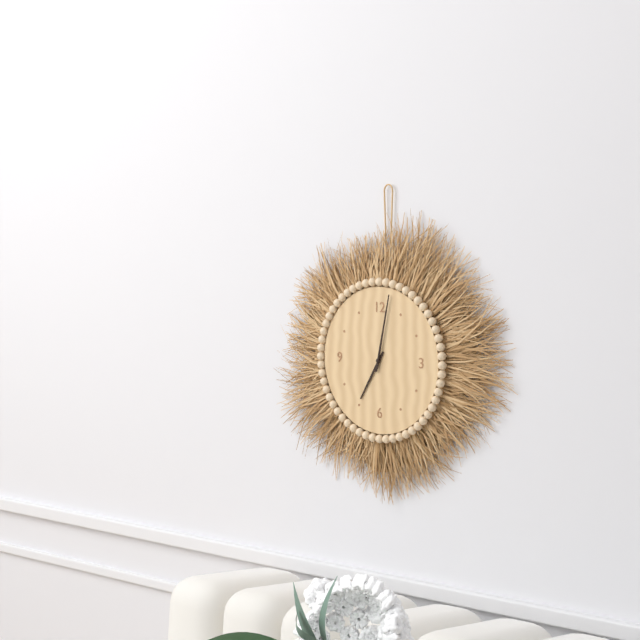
7 h 02 min
